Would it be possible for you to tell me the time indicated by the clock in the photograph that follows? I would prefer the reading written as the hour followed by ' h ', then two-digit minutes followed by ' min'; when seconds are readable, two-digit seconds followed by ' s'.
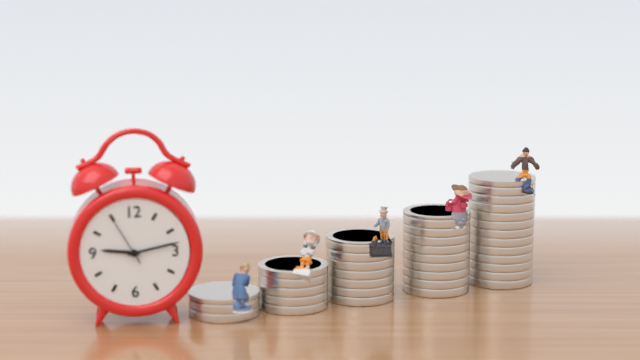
9 h 13 min 55 s
